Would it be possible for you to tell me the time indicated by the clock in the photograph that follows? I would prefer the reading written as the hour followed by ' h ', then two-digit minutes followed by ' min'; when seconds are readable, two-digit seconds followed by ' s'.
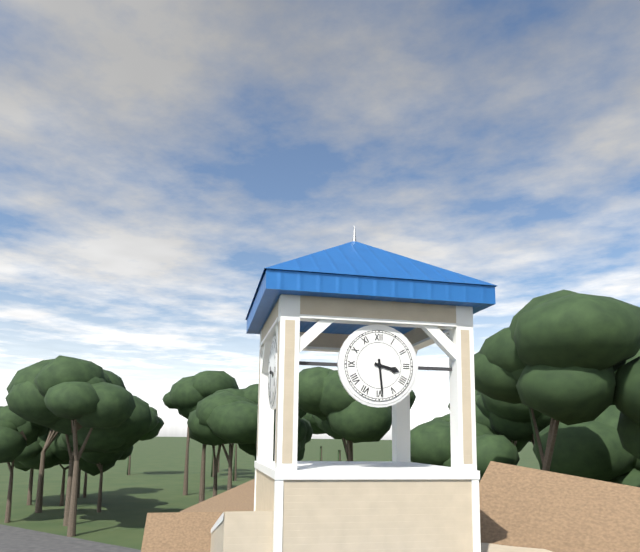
3 h 29 min
